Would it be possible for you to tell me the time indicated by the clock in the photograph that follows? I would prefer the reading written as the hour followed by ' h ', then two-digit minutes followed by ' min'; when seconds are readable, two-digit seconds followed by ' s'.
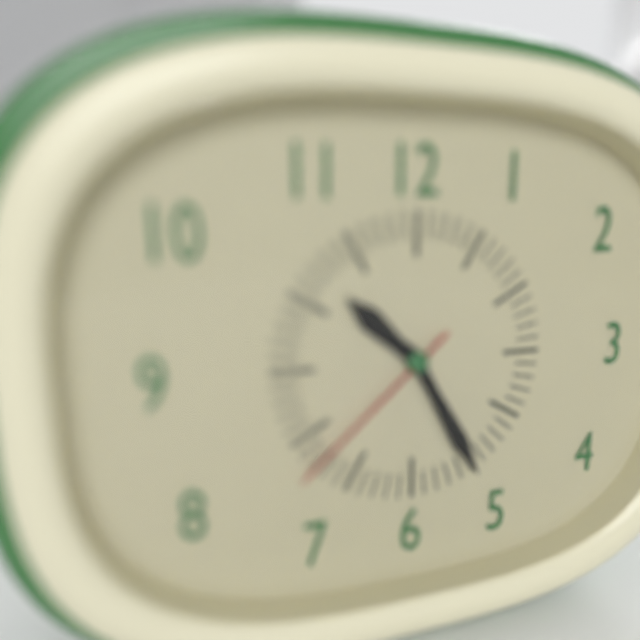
10 h 25 min 38 s
